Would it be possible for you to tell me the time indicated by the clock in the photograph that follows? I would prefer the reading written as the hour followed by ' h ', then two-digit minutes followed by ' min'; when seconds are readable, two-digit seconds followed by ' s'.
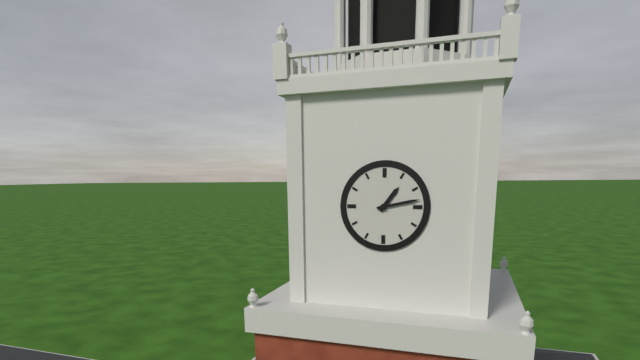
1 h 13 min
